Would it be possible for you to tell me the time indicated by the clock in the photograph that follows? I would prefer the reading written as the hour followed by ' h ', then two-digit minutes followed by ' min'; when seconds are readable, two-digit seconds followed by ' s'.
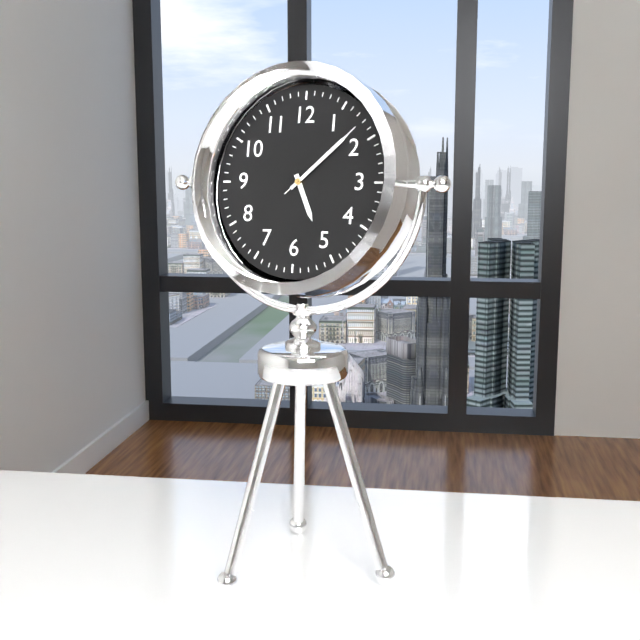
5 h 08 min 08 s
